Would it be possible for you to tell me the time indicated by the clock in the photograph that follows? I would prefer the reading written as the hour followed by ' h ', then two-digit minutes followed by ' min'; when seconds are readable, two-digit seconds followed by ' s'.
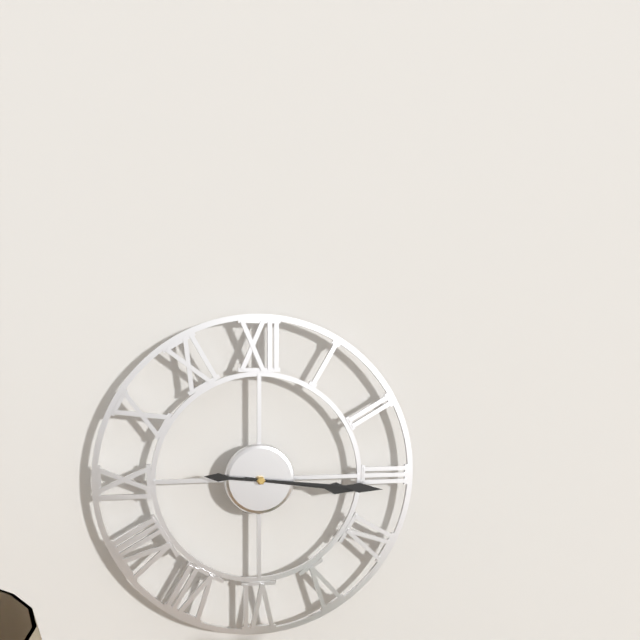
3 h 16 min
